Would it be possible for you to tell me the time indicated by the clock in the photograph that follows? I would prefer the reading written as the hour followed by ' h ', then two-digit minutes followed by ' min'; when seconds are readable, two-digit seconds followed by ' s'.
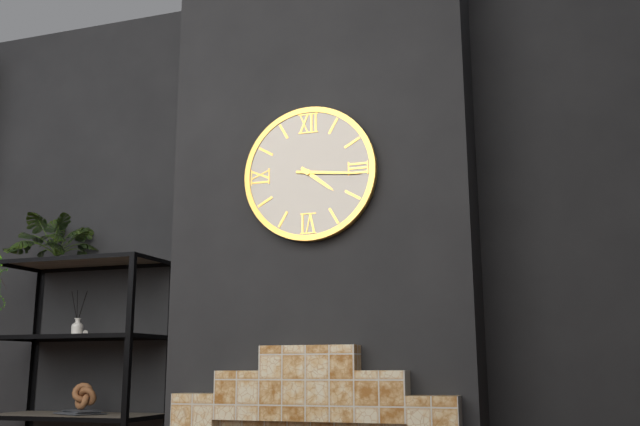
4 h 16 min
